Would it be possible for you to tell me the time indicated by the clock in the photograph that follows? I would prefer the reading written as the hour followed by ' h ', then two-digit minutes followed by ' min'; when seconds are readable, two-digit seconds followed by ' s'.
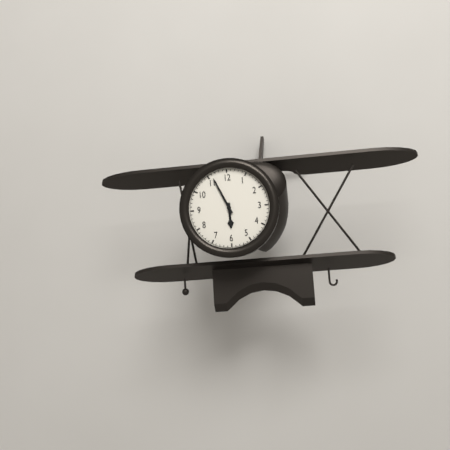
5 h 56 min
